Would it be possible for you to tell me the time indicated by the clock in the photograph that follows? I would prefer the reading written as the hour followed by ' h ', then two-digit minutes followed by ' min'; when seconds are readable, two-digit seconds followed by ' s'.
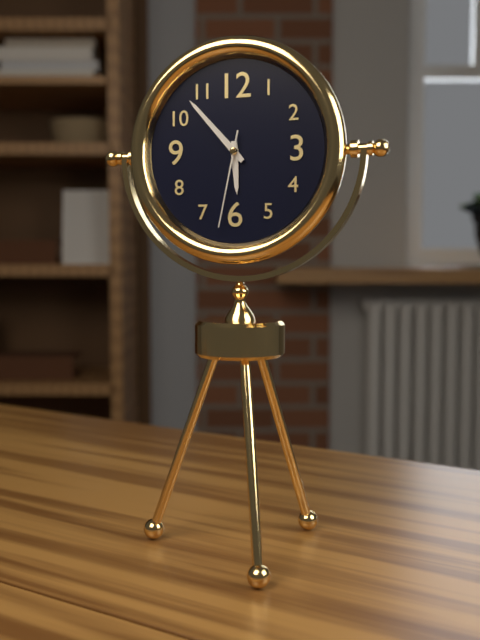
5 h 53 min 32 s
